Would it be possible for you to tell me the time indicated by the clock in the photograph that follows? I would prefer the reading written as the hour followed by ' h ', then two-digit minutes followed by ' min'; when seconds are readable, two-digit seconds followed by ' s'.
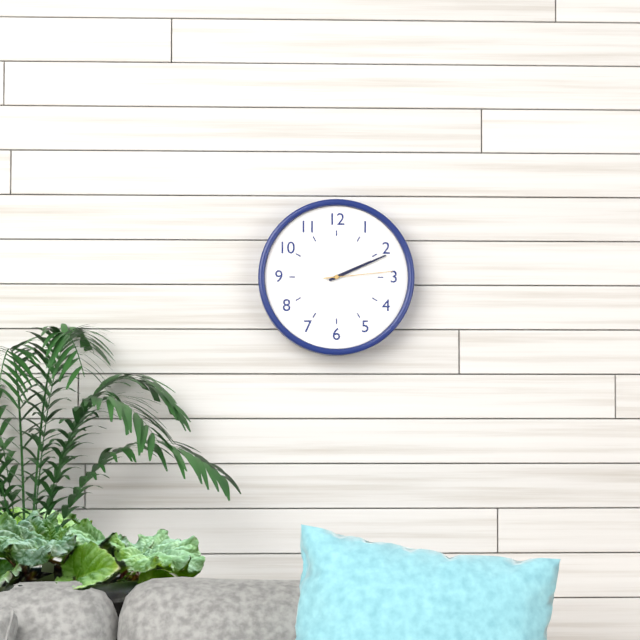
2 h 11 min 14 s
